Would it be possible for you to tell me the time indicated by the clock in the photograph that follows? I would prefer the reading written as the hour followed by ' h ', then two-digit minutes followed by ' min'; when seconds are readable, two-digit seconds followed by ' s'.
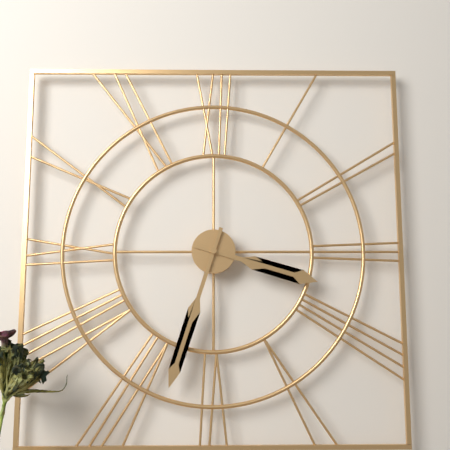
3 h 33 min
